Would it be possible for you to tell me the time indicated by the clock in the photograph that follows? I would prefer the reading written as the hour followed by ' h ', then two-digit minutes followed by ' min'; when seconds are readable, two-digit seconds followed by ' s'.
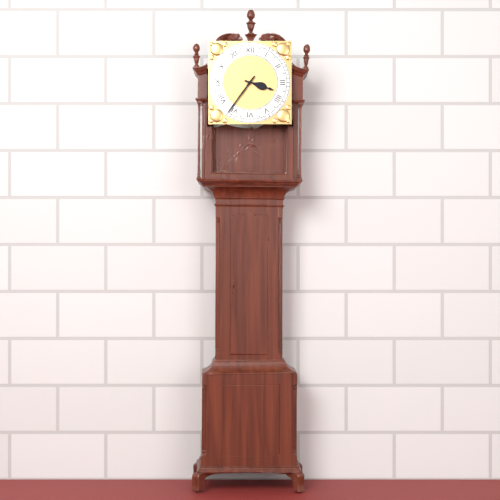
3 h 36 min
